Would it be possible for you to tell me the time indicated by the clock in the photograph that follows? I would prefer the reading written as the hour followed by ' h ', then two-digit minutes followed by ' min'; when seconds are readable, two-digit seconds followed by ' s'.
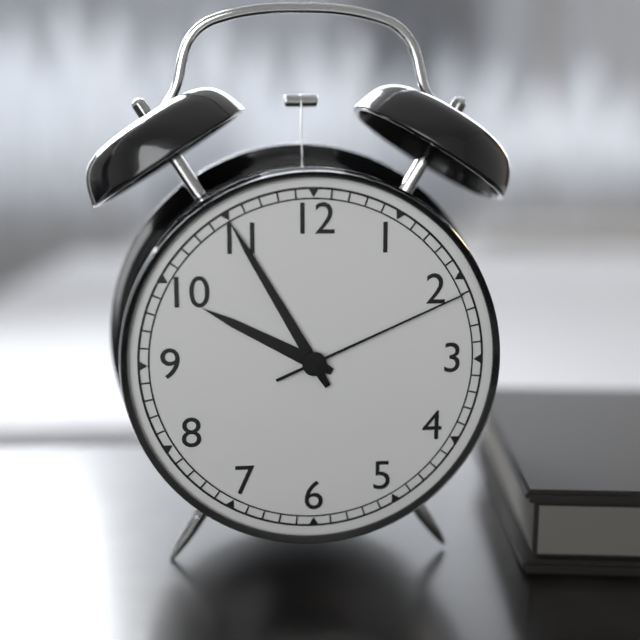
9 h 55 min 11 s
